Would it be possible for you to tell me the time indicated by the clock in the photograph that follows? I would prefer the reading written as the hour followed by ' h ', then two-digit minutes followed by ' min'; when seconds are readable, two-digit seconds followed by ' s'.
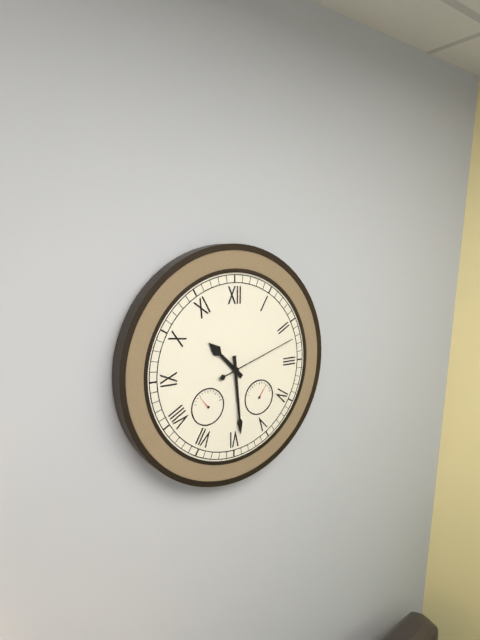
10 h 29 min 12 s
